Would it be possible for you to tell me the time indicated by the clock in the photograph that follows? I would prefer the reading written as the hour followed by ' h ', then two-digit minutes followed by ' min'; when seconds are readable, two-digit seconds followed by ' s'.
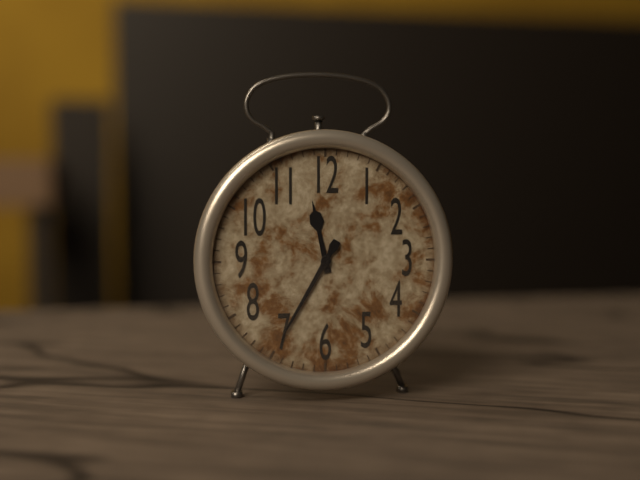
11 h 35 min
